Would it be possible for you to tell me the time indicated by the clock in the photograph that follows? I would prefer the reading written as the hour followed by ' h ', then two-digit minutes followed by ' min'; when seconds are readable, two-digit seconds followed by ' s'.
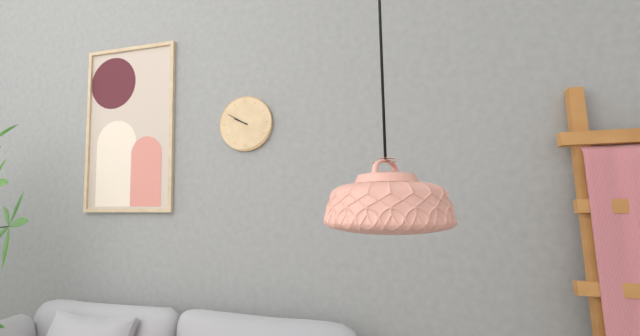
9 h 50 min
